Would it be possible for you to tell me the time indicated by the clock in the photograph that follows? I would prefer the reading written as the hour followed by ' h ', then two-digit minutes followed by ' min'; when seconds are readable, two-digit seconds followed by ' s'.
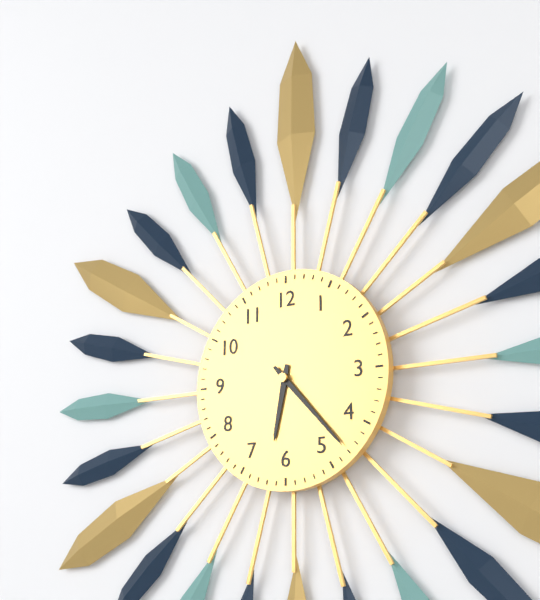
6 h 23 min
